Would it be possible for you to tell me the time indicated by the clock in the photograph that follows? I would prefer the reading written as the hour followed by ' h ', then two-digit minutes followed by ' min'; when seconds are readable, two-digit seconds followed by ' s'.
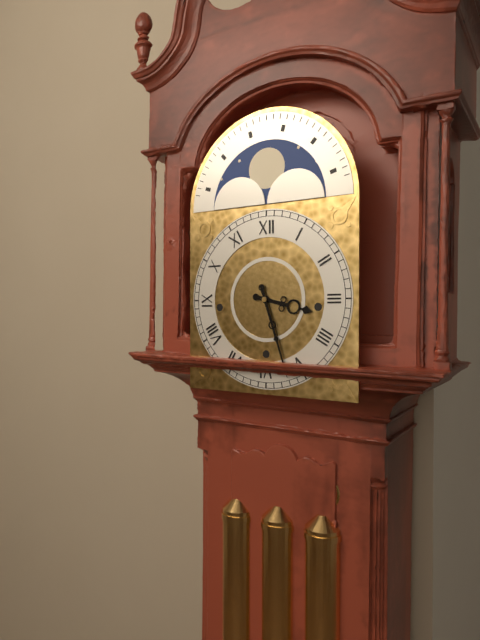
3 h 27 min
